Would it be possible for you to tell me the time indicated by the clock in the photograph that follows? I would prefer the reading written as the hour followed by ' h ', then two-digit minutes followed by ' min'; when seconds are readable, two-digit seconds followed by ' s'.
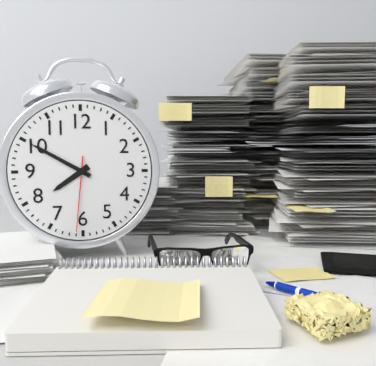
7 h 50 min 31 s
